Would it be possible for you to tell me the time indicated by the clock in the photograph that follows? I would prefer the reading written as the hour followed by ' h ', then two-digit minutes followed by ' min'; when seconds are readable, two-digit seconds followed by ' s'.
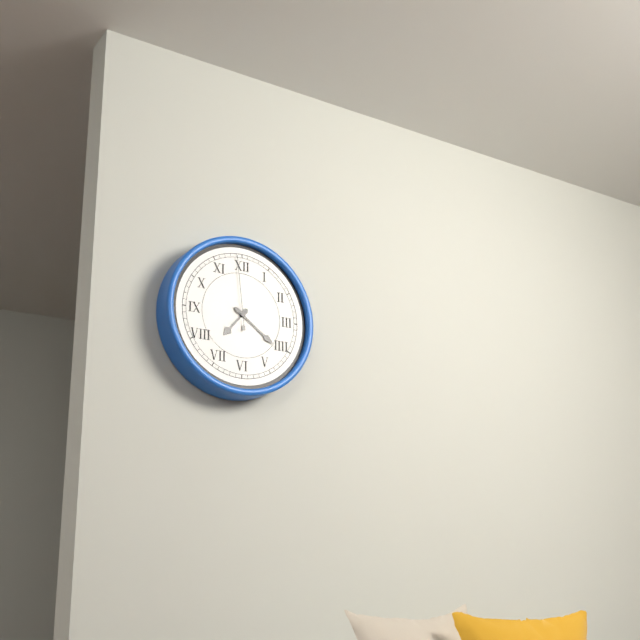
7 h 21 min 59 s
